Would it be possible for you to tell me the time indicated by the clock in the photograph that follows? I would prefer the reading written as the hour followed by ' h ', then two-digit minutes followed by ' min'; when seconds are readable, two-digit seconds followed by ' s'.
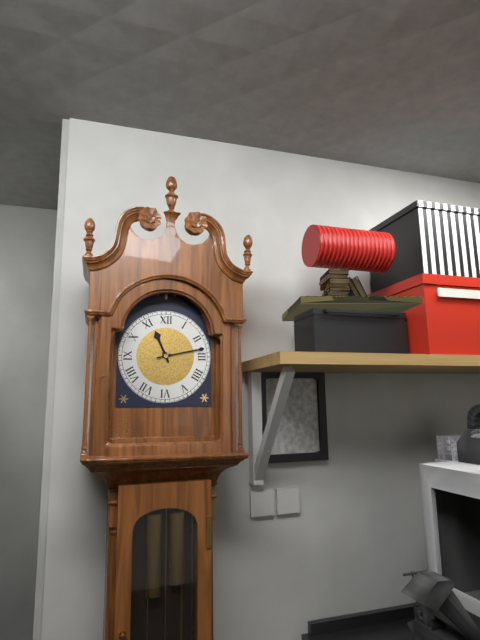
11 h 13 min
